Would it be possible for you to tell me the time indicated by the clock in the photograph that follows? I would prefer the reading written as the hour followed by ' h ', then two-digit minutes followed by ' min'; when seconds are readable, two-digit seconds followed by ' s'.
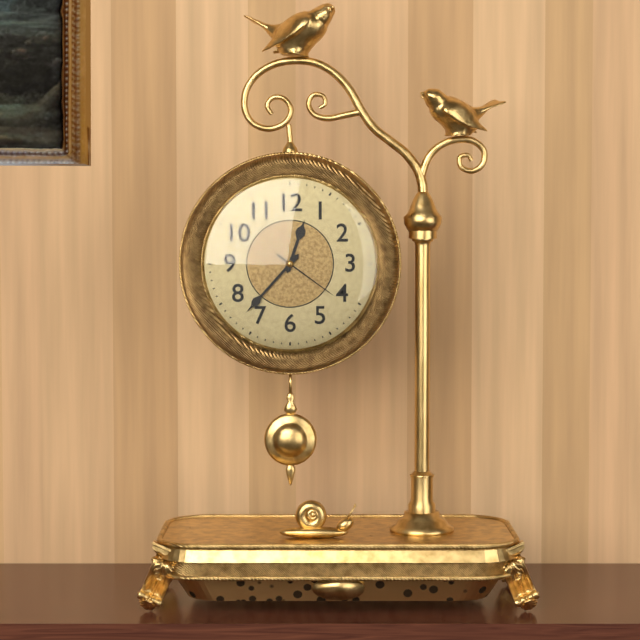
12 h 37 min 21 s
